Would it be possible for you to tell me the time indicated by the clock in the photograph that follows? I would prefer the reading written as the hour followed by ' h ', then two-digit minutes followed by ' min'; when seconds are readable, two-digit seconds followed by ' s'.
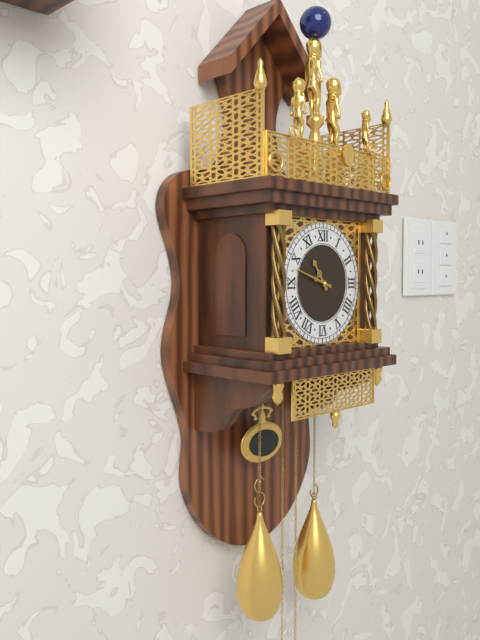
10 h 48 min
